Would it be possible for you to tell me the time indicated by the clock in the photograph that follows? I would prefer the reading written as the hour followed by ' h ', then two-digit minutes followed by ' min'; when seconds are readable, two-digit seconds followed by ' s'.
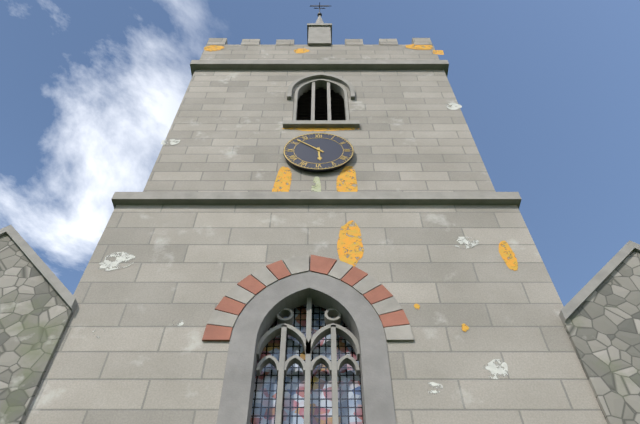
5 h 52 min
